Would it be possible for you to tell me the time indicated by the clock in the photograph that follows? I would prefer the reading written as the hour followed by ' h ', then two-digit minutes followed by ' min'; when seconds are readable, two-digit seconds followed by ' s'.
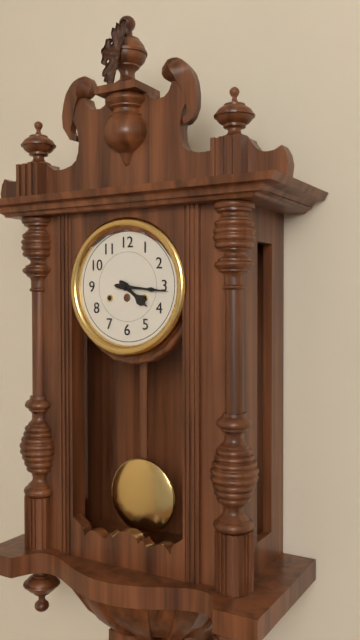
4 h 16 min
